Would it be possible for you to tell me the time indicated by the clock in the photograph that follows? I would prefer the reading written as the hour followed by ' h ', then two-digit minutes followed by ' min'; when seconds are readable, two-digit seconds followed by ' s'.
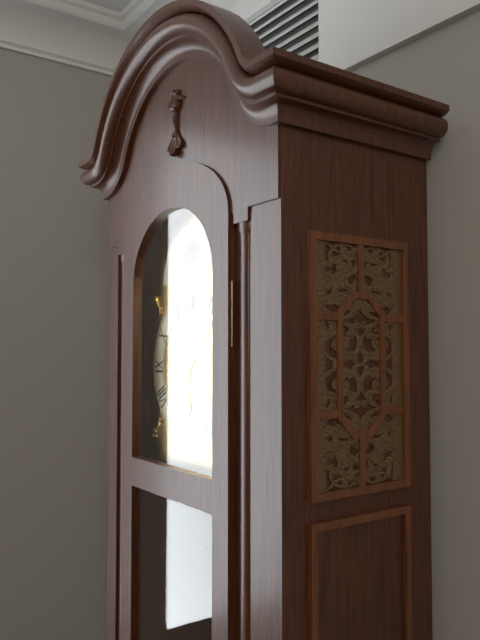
6 h 07 min
